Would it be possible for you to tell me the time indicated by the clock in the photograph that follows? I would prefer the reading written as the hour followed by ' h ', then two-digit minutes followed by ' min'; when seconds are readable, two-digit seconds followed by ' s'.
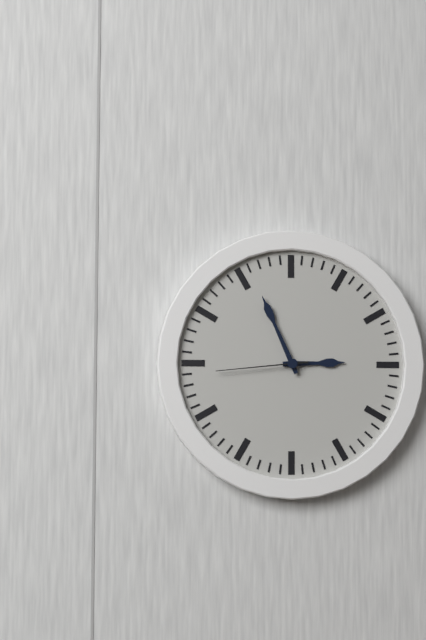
2 h 56 min 44 s
